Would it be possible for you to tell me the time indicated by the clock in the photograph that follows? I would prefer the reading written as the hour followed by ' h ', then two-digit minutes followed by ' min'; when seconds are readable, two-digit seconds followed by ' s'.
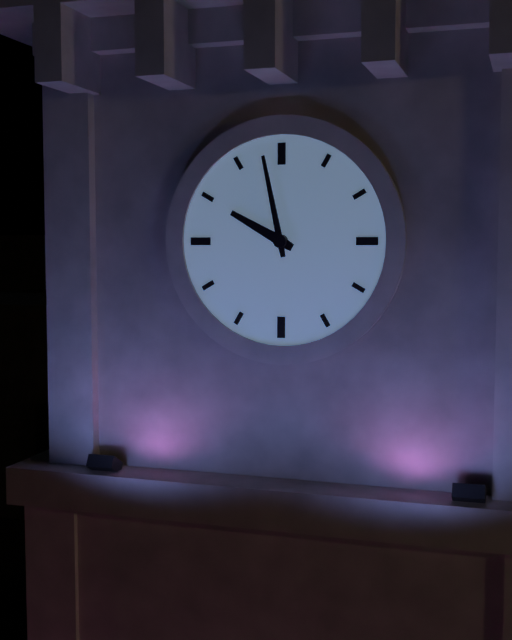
9 h 58 min
